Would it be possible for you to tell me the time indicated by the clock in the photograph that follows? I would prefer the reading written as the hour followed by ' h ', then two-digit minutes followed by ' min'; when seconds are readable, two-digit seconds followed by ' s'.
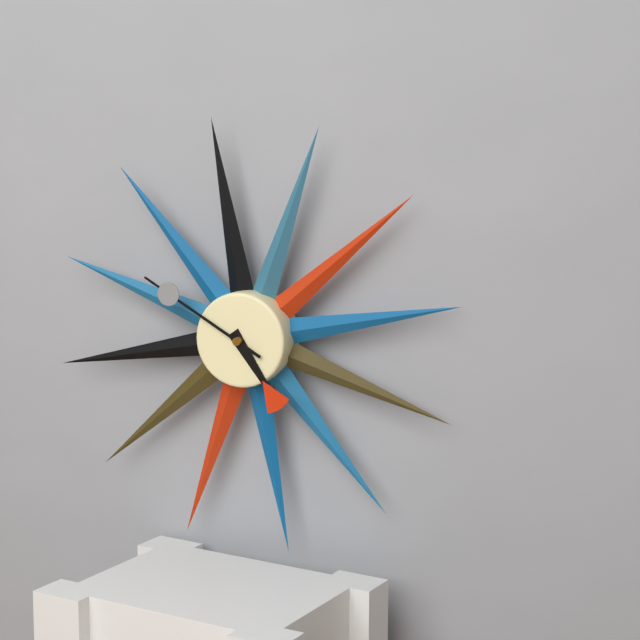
4 h 50 min
